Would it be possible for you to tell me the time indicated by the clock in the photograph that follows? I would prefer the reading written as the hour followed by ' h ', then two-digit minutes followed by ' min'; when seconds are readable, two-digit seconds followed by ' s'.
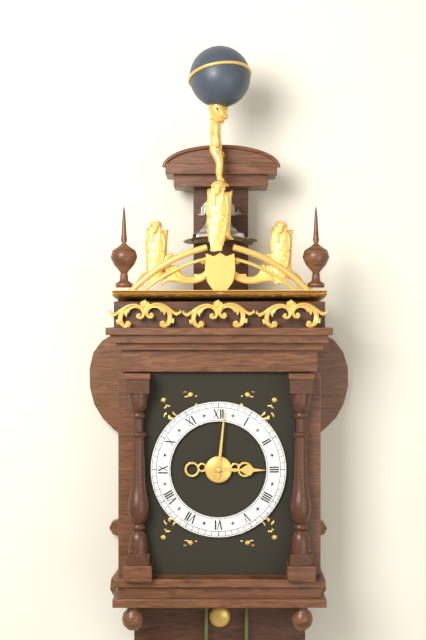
3 h 01 min
